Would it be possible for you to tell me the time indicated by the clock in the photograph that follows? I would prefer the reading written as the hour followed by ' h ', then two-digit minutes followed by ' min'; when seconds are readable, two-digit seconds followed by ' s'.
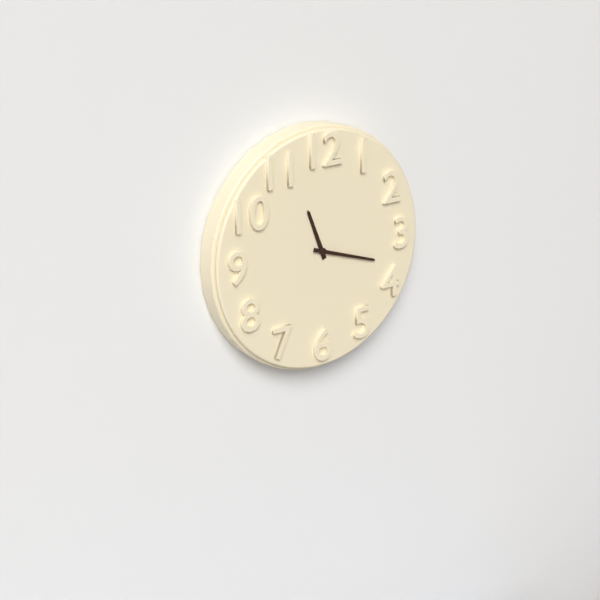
11 h 18 min
